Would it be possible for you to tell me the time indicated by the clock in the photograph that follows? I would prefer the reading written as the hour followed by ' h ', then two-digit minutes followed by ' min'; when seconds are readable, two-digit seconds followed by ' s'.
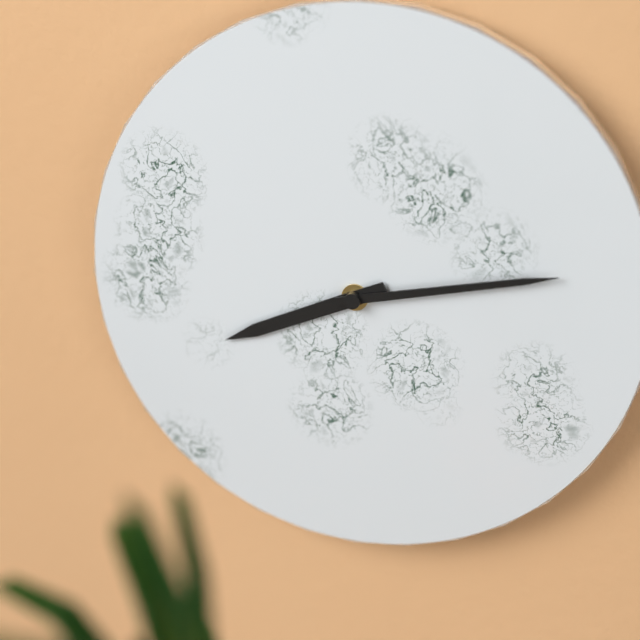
8 h 13 min
